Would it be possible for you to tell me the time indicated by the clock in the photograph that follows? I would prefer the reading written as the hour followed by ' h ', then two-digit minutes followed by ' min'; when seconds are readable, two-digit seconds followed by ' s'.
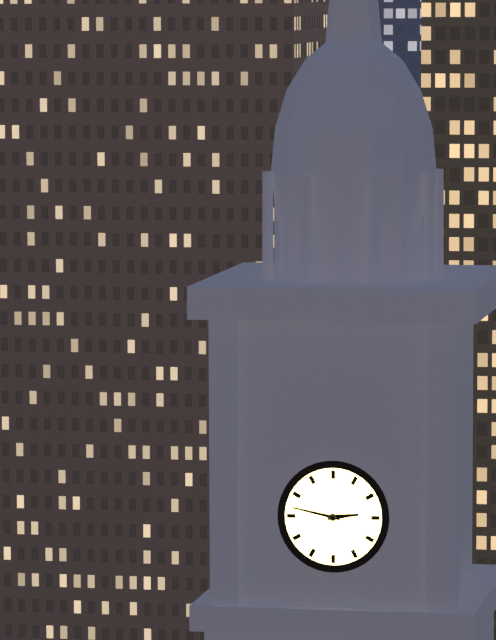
2 h 47 min
